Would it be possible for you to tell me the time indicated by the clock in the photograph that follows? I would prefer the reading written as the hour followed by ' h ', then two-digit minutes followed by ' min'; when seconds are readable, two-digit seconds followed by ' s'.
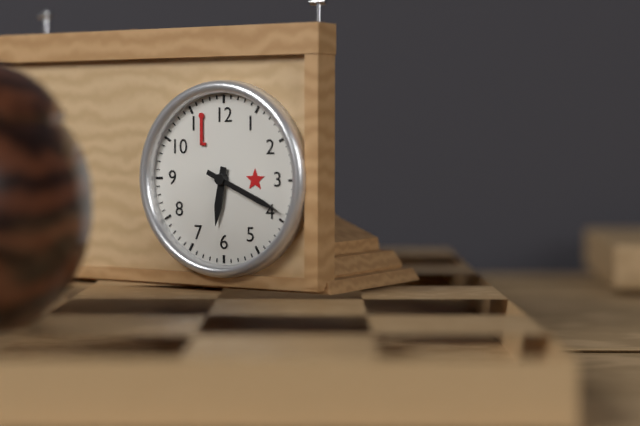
6 h 19 min
